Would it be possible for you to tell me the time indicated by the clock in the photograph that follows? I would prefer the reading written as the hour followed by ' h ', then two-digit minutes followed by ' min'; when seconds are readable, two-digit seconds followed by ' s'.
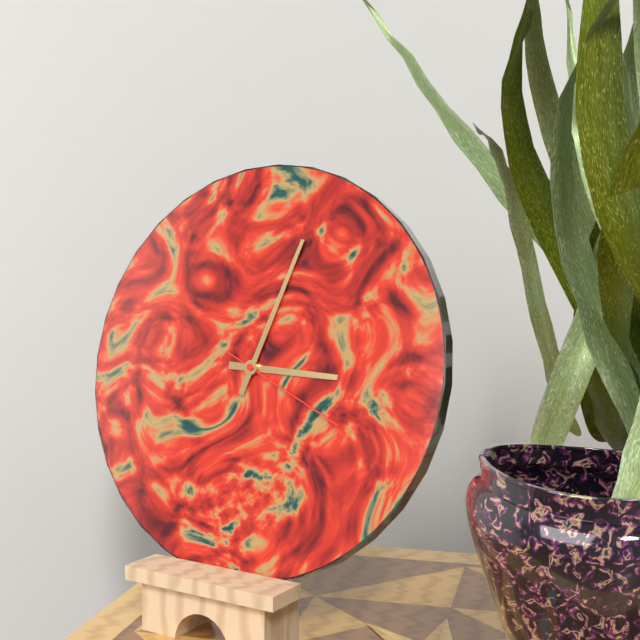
3 h 03 min 19 s
